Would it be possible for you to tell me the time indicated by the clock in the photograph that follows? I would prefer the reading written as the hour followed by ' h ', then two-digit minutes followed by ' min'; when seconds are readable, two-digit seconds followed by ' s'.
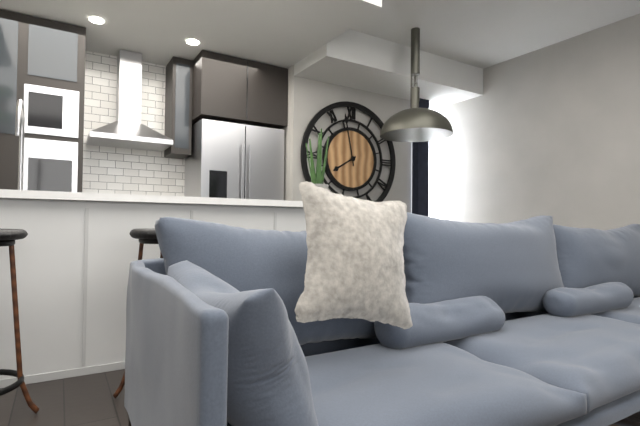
7 h 58 min
